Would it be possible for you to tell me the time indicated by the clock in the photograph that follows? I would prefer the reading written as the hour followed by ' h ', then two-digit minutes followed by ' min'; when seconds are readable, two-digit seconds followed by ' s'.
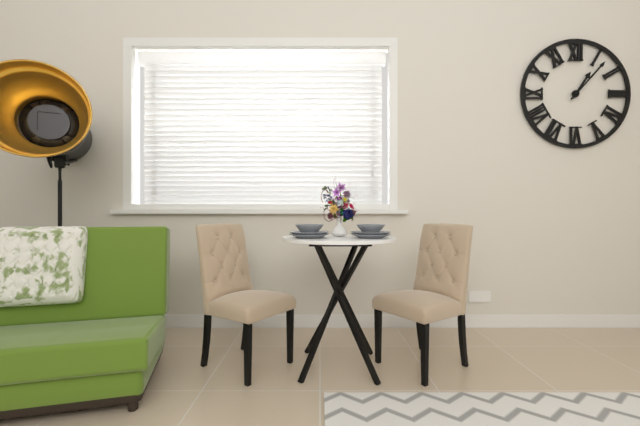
1 h 07 min
